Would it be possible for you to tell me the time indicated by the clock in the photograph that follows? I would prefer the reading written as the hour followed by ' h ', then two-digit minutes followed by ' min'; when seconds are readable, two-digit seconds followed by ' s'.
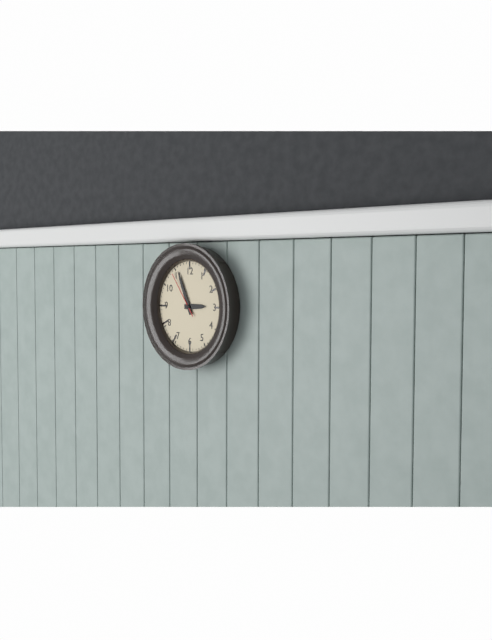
2 h 56 min
